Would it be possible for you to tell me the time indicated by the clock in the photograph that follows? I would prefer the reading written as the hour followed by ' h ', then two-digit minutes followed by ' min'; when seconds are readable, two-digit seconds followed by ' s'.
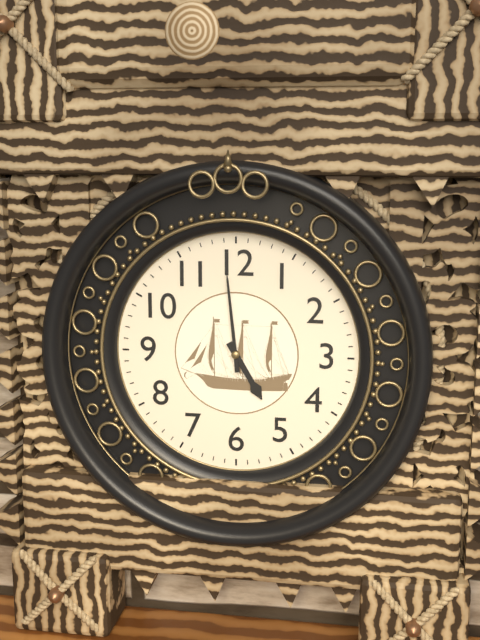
4 h 59 min
